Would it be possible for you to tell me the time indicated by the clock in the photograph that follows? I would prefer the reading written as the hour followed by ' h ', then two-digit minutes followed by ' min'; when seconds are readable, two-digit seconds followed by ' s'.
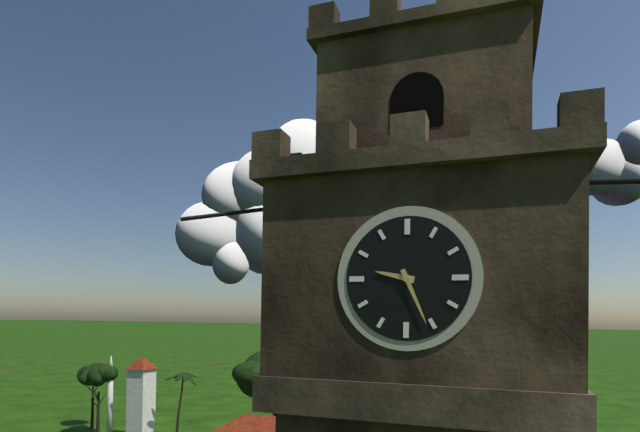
9 h 26 min
